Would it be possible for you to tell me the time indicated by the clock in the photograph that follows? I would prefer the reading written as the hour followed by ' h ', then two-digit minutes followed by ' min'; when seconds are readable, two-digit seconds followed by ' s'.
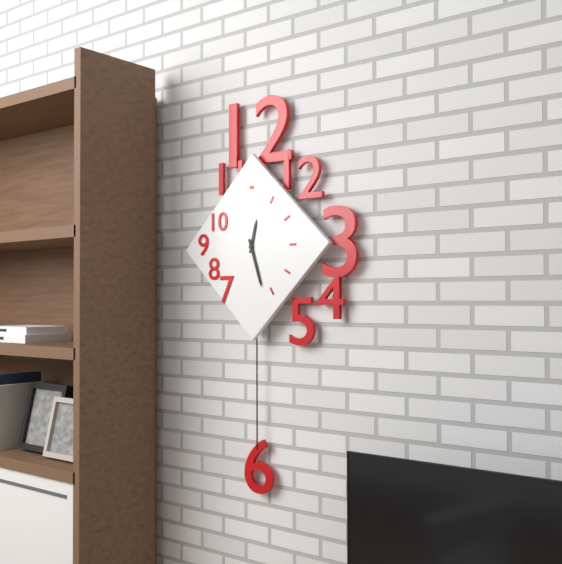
12 h 27 min
